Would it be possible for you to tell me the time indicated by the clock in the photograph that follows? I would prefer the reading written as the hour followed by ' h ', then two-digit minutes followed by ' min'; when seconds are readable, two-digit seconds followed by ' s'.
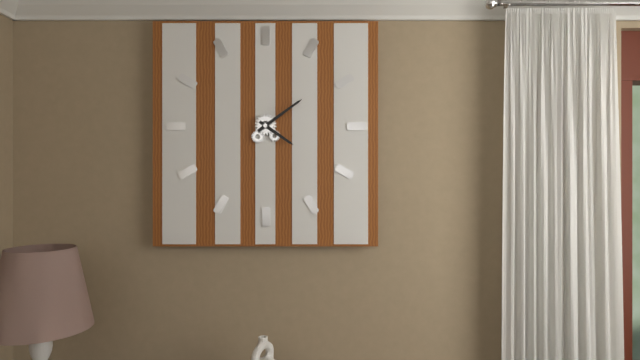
4 h 09 min
